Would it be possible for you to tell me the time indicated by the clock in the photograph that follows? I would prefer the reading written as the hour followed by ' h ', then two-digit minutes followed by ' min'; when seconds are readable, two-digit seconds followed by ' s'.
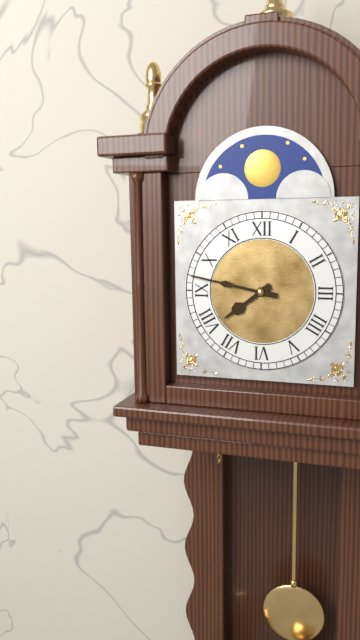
7 h 47 min
